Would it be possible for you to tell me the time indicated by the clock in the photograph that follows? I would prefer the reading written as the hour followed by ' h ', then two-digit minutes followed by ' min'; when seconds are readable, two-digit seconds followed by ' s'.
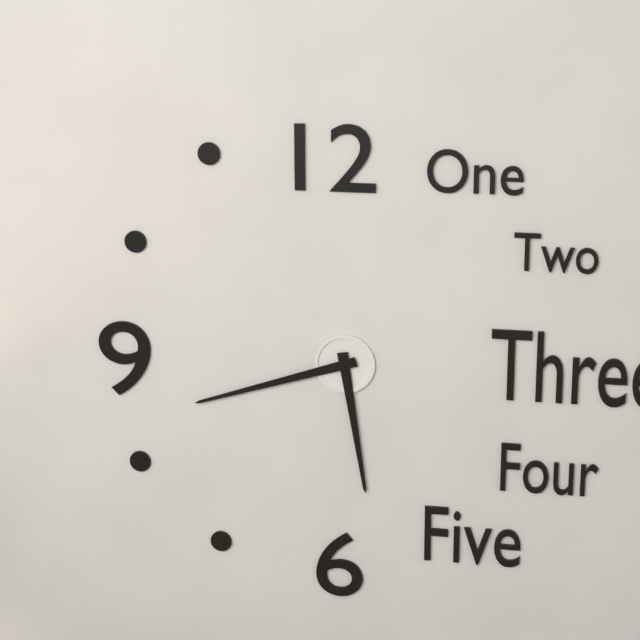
5 h 42 min
